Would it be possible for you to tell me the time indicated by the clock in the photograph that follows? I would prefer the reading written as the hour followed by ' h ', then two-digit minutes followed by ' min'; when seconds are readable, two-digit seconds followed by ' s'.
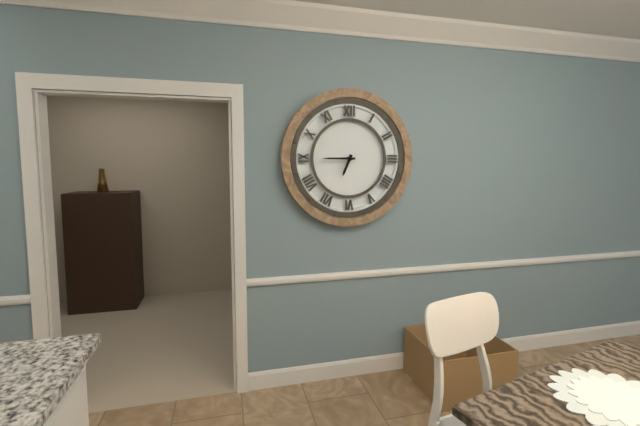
6 h 45 min
